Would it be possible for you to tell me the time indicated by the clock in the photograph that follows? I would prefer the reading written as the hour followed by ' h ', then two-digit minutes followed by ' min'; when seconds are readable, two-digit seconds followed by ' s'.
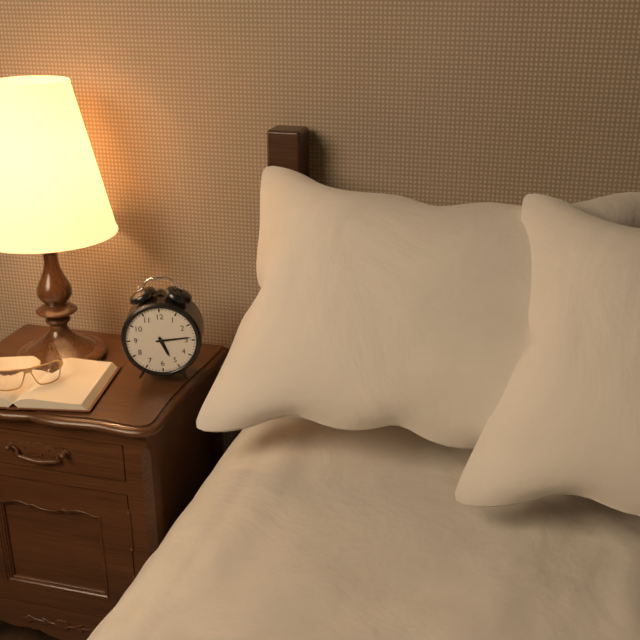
5 h 14 min
